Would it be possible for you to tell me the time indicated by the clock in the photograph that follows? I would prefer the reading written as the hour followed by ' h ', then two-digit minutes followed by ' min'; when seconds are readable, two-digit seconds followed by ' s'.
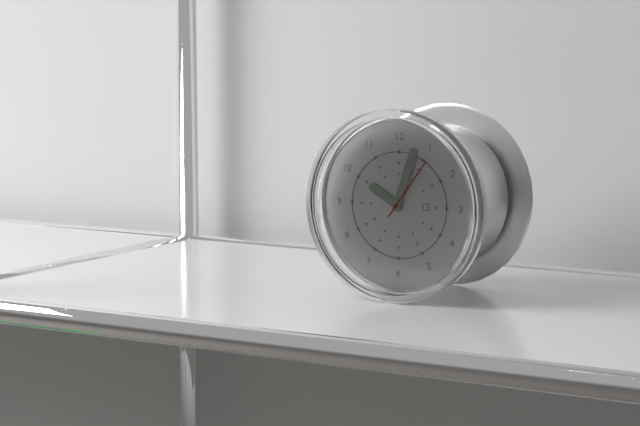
10 h 03 min 06 s
